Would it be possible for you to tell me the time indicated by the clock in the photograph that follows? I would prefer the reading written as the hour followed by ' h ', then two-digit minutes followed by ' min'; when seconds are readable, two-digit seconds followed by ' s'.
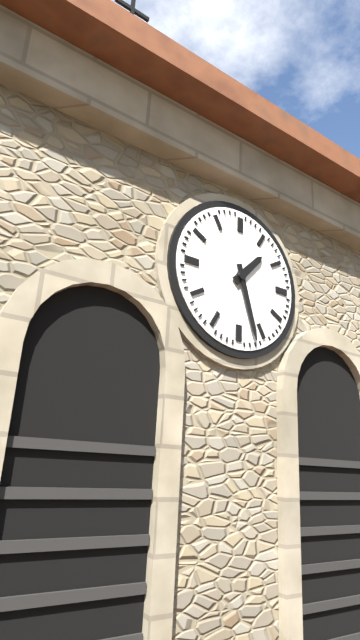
1 h 27 min
